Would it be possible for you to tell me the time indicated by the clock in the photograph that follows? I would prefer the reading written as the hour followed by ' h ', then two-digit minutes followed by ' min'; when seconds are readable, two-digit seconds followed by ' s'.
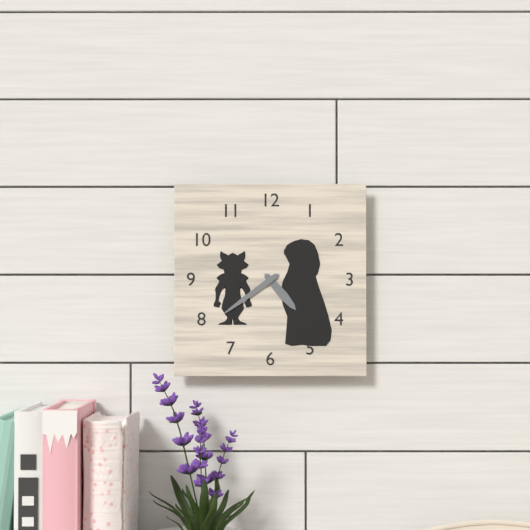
4 h 39 min
